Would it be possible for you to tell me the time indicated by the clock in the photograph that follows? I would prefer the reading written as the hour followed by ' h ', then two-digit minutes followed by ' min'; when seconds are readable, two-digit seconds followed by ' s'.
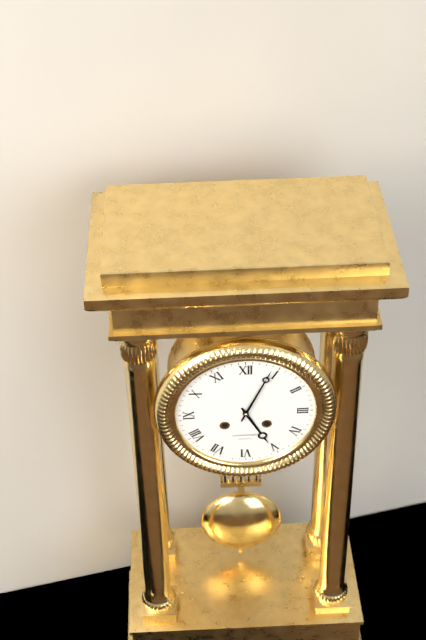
5 h 04 min
